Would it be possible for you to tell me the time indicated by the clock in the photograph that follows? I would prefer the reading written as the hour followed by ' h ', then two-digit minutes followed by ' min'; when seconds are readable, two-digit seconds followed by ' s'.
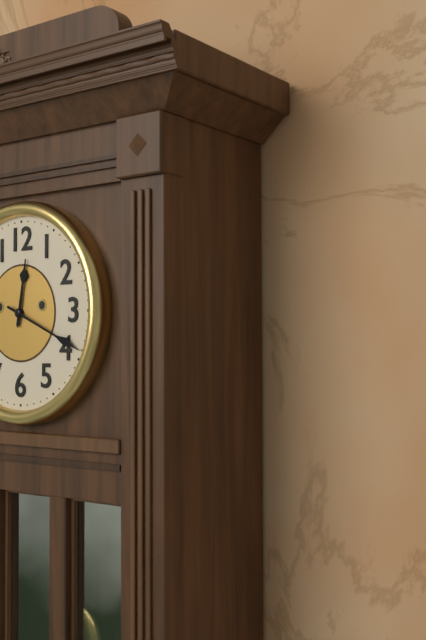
12 h 19 min
